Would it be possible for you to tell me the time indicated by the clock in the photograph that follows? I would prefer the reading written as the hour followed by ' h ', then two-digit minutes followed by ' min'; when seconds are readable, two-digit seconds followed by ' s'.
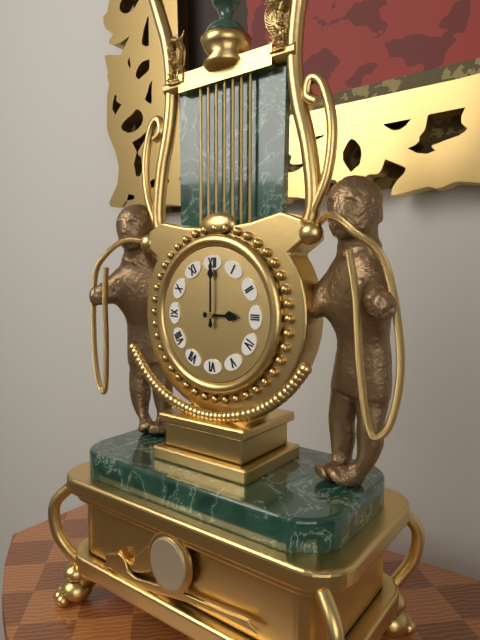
3 h 00 min
